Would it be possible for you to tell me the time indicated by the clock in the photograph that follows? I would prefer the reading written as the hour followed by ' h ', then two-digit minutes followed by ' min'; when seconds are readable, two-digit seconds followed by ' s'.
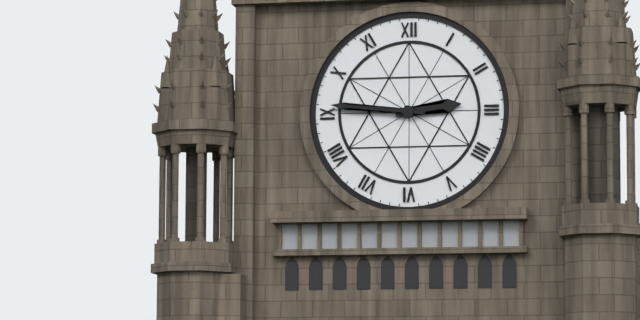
2 h 46 min
